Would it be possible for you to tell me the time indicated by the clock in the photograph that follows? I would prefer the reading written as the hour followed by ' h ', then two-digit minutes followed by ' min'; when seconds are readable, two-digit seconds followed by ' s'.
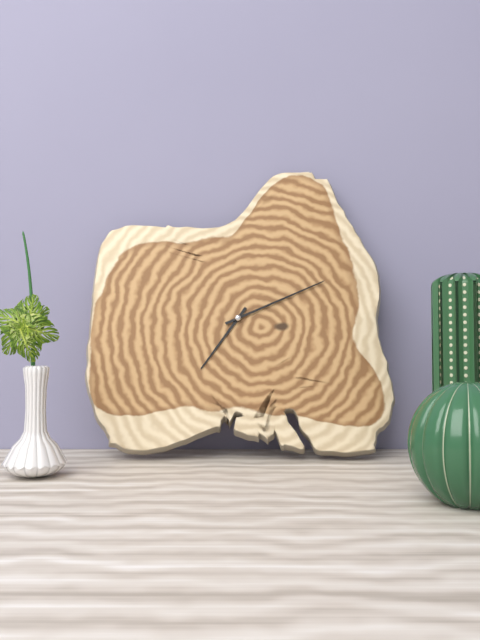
7 h 11 min
